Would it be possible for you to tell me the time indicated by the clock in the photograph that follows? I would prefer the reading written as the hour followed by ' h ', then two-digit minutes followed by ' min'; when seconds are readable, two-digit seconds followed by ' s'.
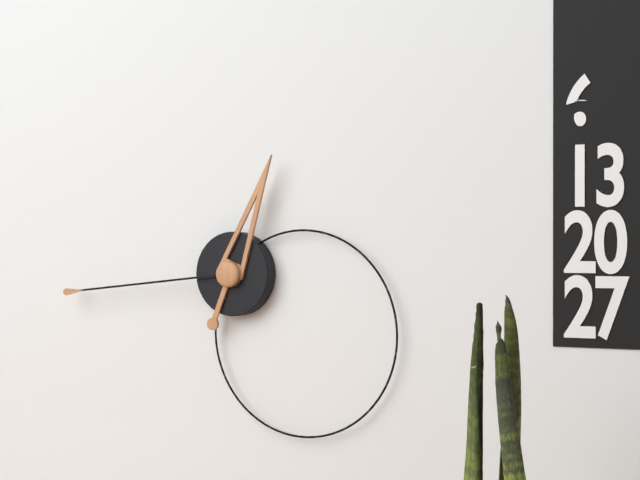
12 h 44 min
